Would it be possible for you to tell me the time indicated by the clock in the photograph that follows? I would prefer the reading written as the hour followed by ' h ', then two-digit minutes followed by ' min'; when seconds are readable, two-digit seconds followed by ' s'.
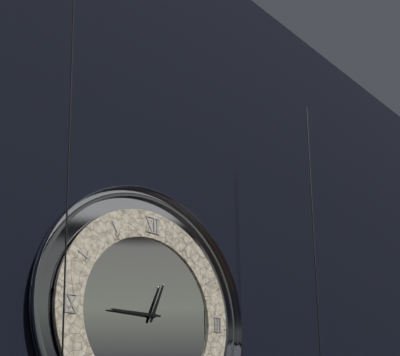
12 h 45 min
